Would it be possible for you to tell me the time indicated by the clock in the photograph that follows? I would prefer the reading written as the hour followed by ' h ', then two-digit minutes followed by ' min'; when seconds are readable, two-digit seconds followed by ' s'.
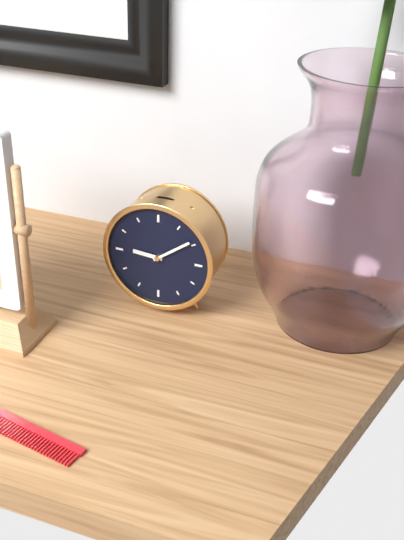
9 h 09 min
